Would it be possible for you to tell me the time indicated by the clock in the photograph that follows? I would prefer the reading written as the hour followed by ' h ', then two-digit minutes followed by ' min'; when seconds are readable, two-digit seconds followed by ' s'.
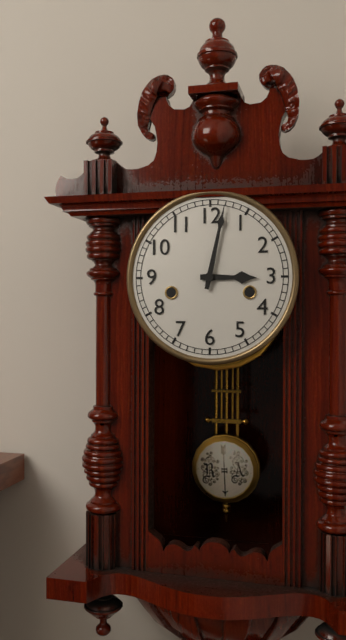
3 h 02 min
